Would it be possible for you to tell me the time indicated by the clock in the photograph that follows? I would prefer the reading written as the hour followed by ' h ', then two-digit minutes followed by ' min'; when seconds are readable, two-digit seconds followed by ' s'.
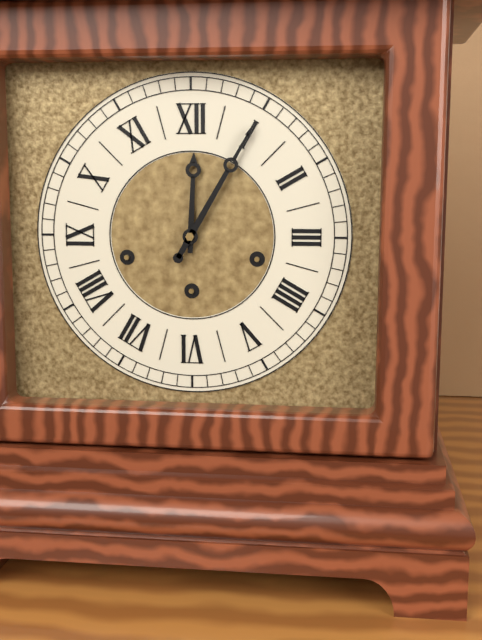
12 h 05 min
